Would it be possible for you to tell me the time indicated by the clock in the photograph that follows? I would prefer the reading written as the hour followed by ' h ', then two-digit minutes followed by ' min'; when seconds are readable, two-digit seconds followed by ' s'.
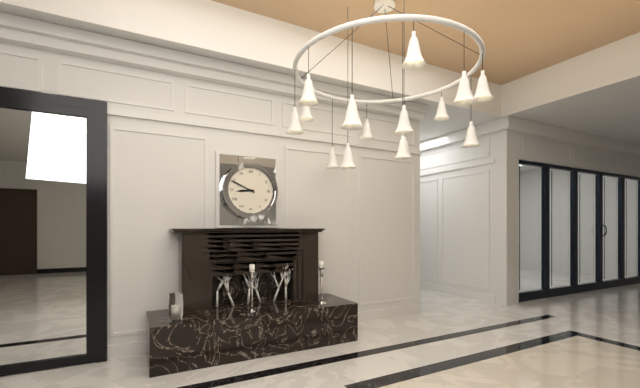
8 h 49 min
